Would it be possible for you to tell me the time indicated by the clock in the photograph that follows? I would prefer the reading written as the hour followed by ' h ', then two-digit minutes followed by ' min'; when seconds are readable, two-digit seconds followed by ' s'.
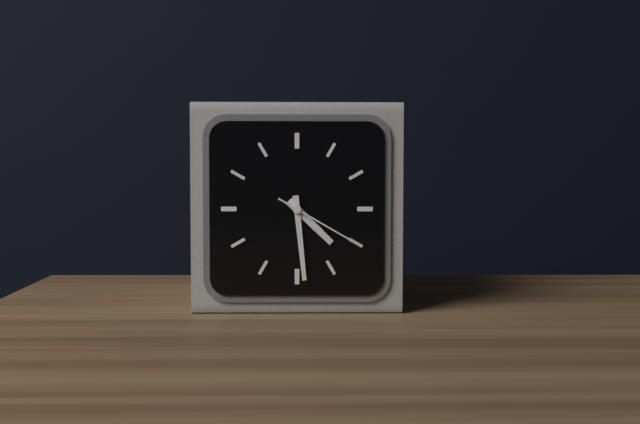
4 h 29 min 20 s
